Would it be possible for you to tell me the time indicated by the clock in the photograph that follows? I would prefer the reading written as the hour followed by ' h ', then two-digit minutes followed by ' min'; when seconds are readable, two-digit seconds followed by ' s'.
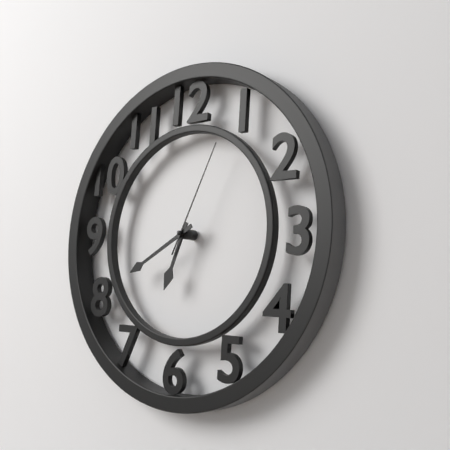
6 h 40 min 04 s
